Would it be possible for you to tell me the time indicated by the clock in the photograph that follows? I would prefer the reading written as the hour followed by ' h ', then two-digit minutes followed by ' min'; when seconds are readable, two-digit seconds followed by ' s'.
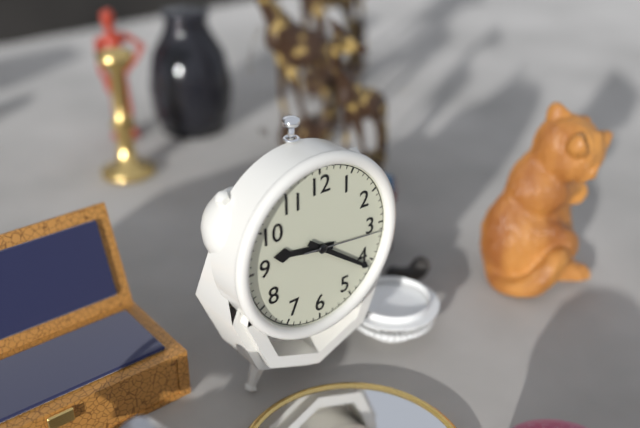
9 h 21 min 16 s
